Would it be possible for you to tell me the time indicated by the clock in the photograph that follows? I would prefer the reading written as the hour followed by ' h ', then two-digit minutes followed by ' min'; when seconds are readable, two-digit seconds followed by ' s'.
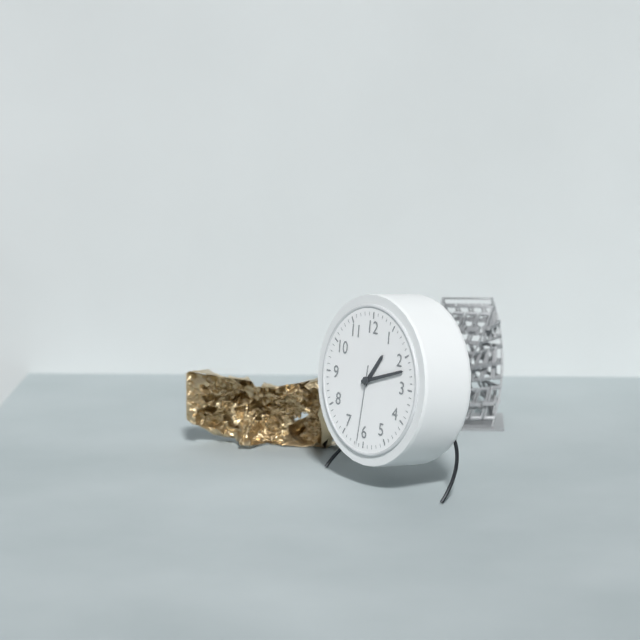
1 h 12 min 31 s
